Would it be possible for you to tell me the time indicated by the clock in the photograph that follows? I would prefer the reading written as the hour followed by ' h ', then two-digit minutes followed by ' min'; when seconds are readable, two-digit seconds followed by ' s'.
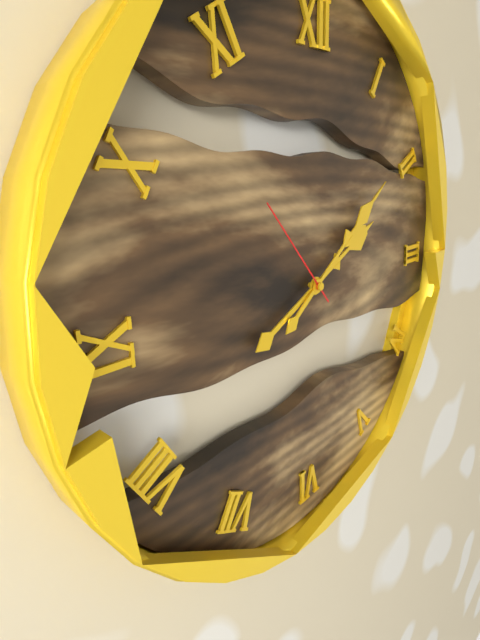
2 h 09 min 53 s
